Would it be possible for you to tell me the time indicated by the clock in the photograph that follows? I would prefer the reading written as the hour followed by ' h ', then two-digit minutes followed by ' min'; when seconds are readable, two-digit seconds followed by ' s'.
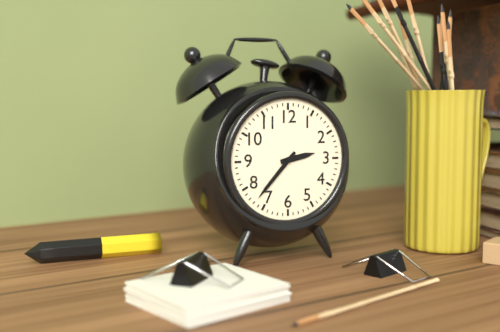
2 h 37 min
